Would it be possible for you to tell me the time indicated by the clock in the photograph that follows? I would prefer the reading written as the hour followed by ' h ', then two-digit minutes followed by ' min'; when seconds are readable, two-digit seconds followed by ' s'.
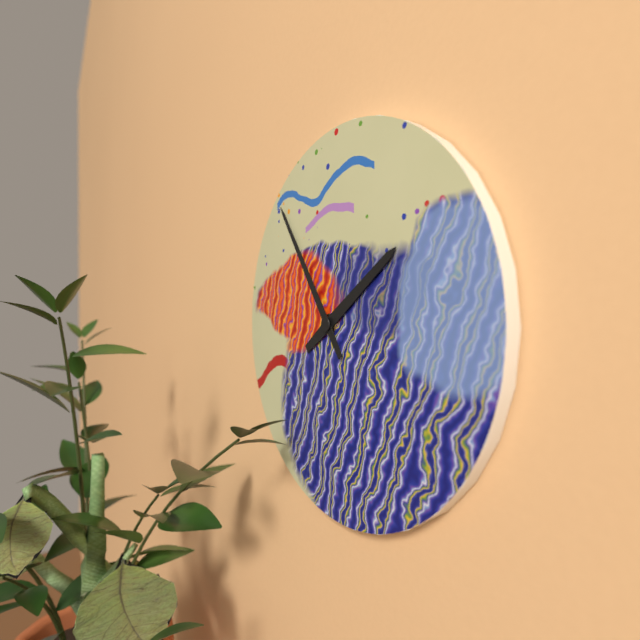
1 h 54 min
